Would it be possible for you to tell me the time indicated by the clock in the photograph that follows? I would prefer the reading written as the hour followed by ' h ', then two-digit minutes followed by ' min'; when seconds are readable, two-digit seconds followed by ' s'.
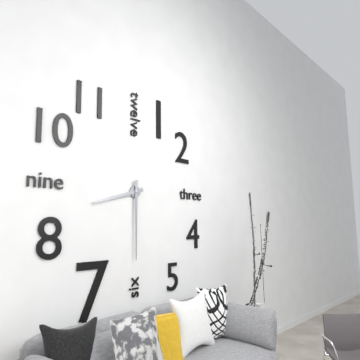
8 h 30 min
